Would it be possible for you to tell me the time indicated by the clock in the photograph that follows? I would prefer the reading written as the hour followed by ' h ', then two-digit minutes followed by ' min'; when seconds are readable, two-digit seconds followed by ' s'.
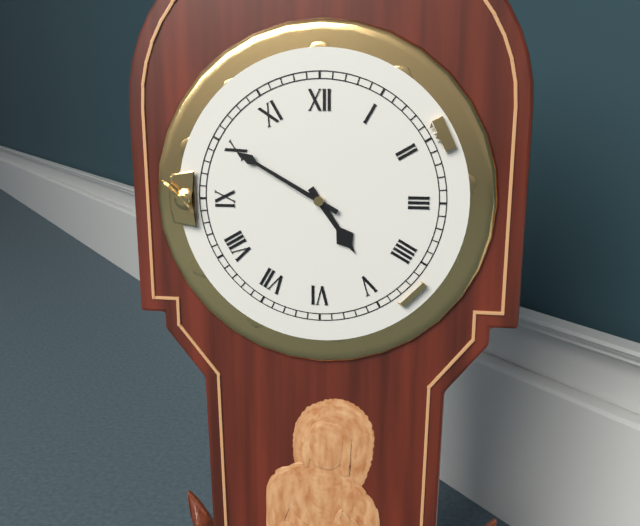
4 h 50 min
